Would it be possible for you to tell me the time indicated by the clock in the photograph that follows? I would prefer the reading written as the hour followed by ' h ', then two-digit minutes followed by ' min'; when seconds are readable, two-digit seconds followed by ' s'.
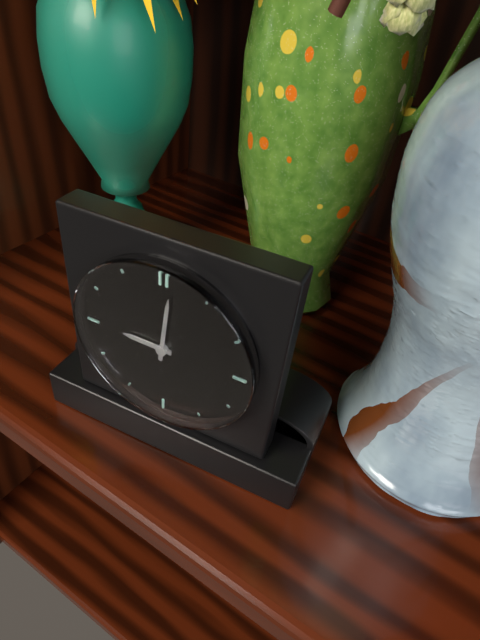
9 h 01 min
